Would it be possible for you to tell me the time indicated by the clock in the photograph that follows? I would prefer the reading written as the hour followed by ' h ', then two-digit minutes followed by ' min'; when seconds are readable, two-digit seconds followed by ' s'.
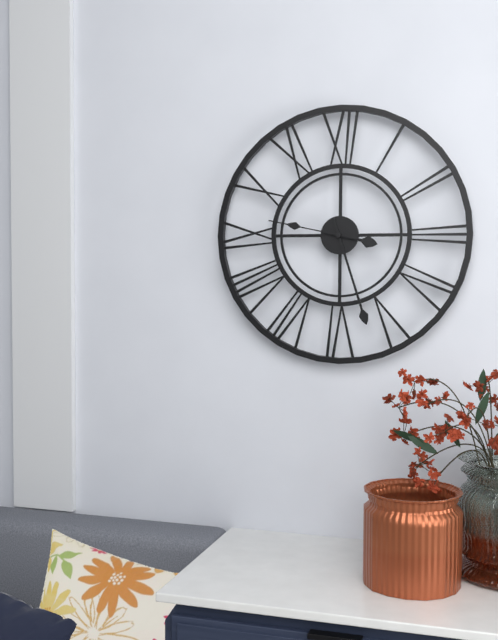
3 h 27 min 47 s
